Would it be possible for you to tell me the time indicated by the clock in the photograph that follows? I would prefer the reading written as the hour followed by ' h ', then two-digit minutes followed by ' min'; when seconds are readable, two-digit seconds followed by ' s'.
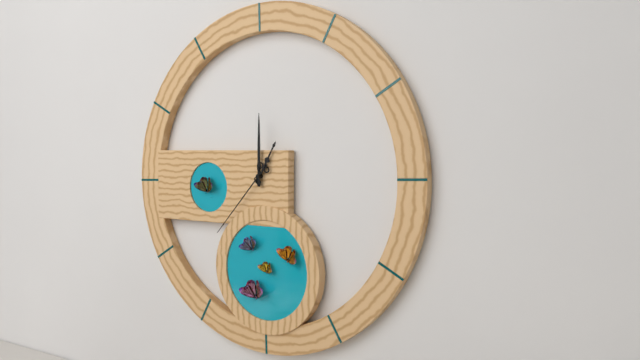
1 h 00 min 37 s
